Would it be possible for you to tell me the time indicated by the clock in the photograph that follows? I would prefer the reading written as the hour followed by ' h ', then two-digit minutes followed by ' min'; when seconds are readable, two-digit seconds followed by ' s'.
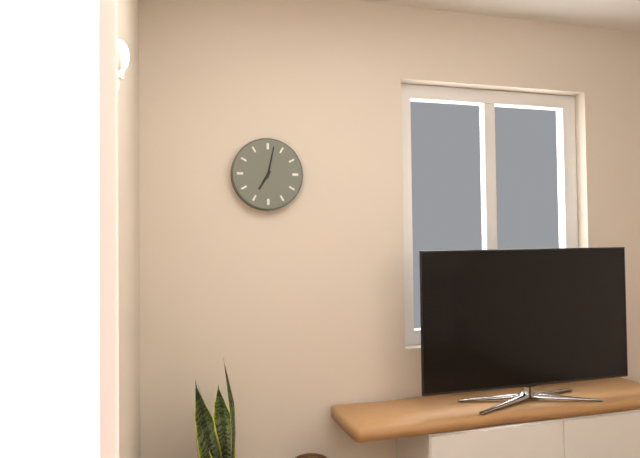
7 h 02 min
